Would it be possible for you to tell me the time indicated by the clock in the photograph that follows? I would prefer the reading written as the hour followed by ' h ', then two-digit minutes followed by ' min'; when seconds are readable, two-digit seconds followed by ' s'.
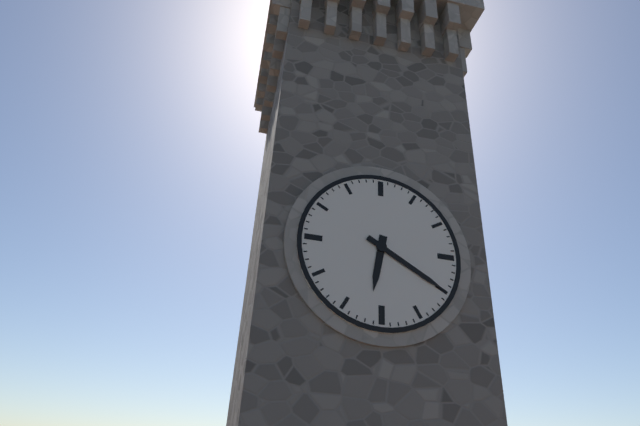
6 h 20 min
